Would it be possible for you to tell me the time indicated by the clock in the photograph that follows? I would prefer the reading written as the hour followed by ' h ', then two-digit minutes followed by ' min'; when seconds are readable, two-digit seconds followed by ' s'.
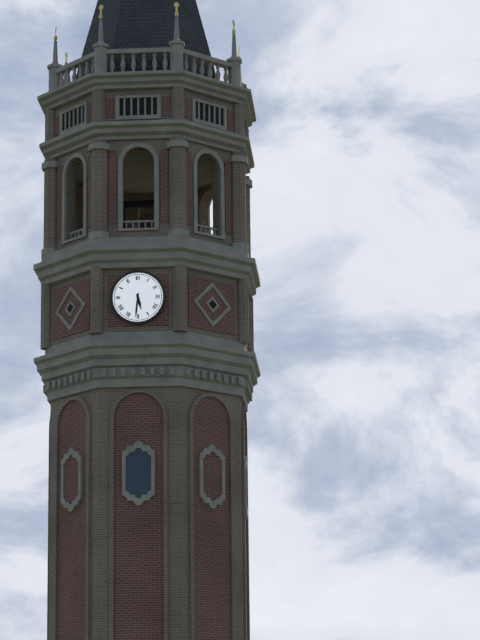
5 h 31 min
